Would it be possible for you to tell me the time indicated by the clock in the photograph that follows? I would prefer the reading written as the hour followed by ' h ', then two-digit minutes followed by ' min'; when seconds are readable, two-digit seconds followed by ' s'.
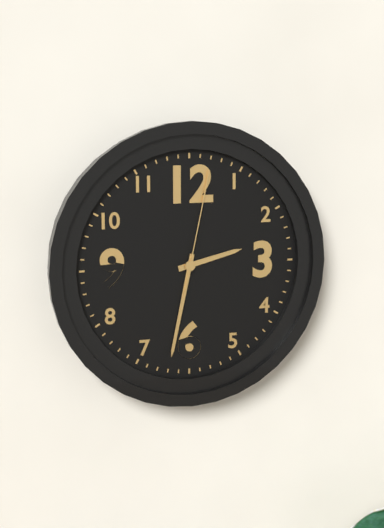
2 h 32 min 02 s
